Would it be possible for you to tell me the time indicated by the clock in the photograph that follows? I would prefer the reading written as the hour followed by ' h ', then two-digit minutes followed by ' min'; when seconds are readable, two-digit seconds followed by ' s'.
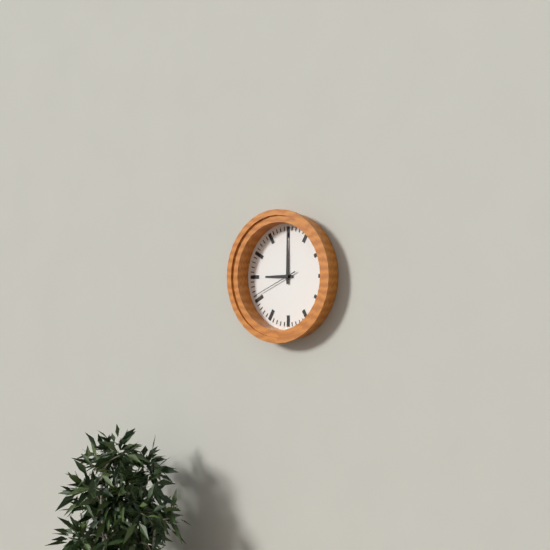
9 h 00 min
